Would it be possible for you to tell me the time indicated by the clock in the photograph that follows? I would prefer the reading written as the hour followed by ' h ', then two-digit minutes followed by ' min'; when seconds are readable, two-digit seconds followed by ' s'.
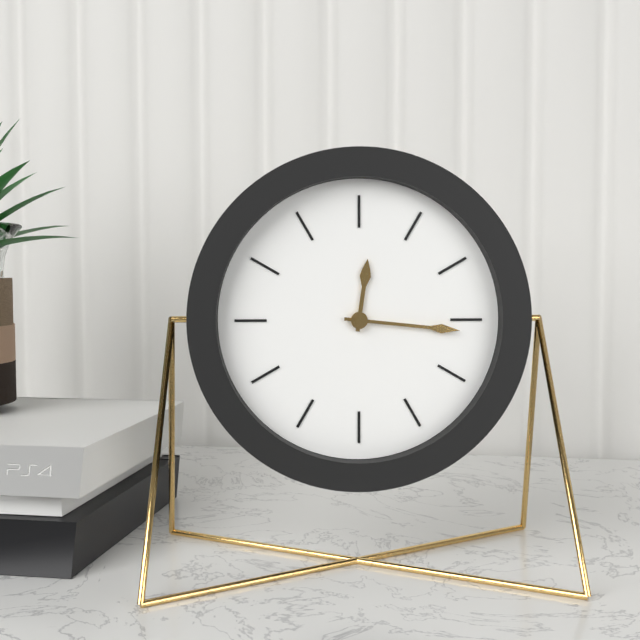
12 h 16 min
